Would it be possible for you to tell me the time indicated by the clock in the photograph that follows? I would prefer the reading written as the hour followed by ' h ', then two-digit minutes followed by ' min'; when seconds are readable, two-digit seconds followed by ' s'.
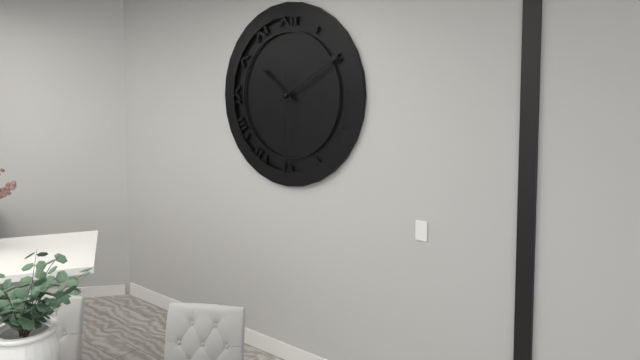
10 h 10 min 30 s
